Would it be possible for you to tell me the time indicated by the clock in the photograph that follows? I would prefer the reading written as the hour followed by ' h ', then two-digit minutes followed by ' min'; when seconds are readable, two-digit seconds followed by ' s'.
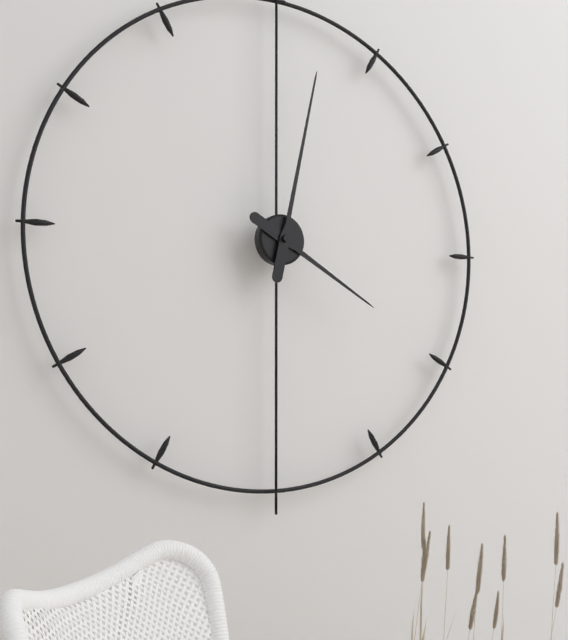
4 h 02 min
